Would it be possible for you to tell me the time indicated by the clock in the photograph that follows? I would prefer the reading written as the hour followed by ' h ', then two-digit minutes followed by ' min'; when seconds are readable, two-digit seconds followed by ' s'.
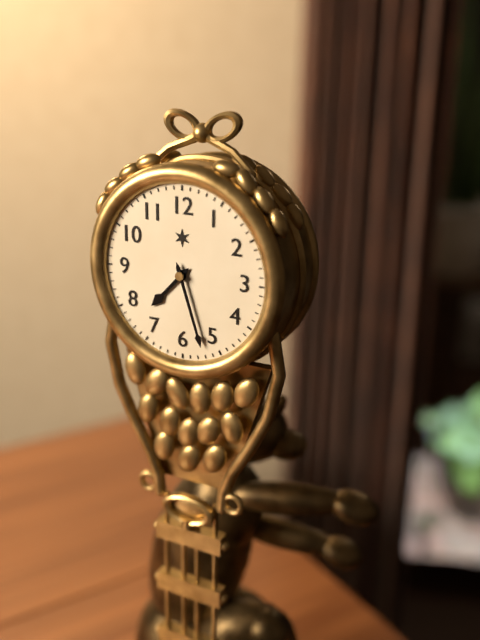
7 h 27 min
